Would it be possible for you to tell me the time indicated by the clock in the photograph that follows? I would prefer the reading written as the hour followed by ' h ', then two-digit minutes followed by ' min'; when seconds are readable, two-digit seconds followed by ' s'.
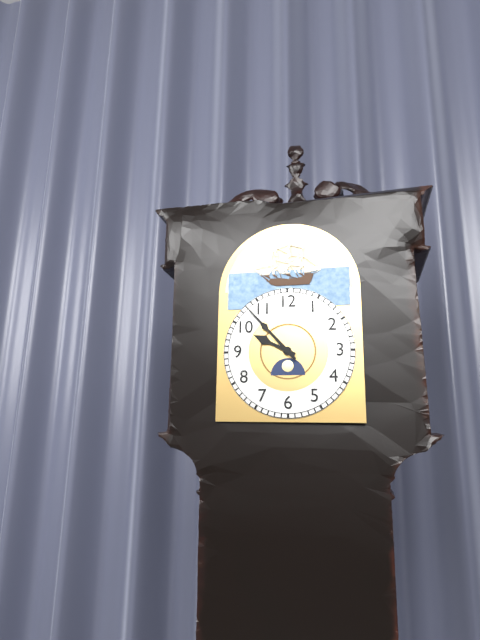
9 h 53 min
